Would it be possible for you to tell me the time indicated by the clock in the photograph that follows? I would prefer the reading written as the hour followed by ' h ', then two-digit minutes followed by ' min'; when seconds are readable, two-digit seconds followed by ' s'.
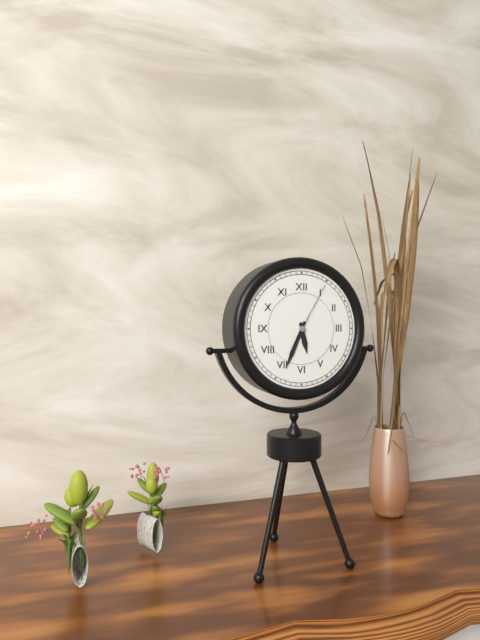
5 h 34 min 05 s
